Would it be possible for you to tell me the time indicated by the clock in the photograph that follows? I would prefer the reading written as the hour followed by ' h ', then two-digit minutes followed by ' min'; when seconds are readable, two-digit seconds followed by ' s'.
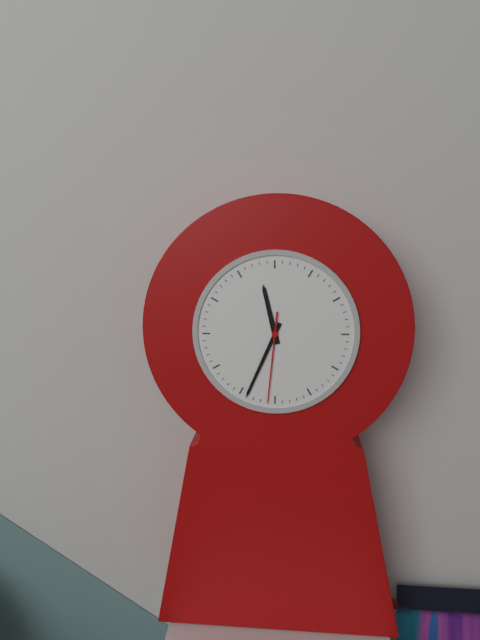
11 h 34 min 31 s
